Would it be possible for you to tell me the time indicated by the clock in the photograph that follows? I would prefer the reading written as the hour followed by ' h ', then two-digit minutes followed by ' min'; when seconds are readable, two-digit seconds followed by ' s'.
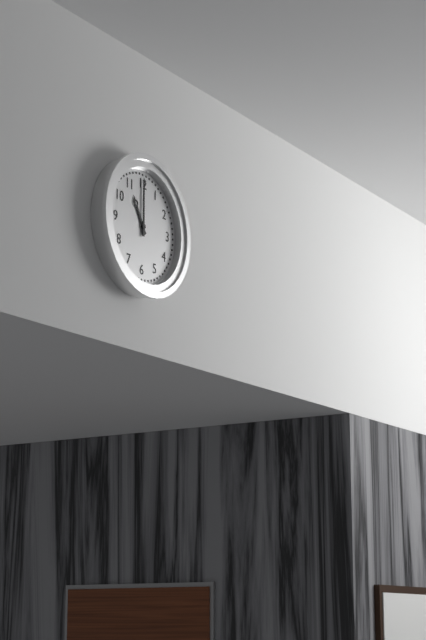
11 h 00 min
